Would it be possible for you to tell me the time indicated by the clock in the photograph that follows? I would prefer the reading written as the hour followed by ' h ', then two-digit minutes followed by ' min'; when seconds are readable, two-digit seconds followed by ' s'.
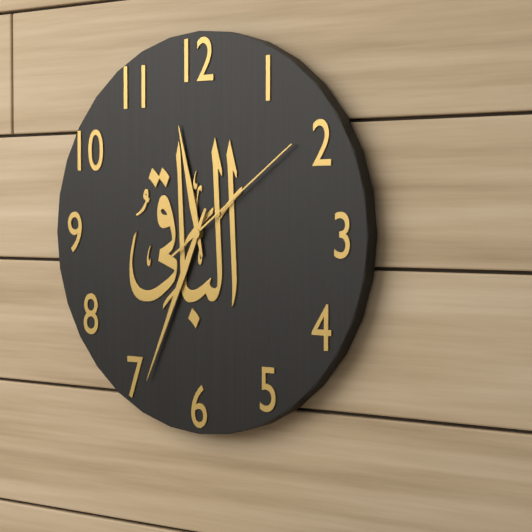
11 h 34 min 09 s
